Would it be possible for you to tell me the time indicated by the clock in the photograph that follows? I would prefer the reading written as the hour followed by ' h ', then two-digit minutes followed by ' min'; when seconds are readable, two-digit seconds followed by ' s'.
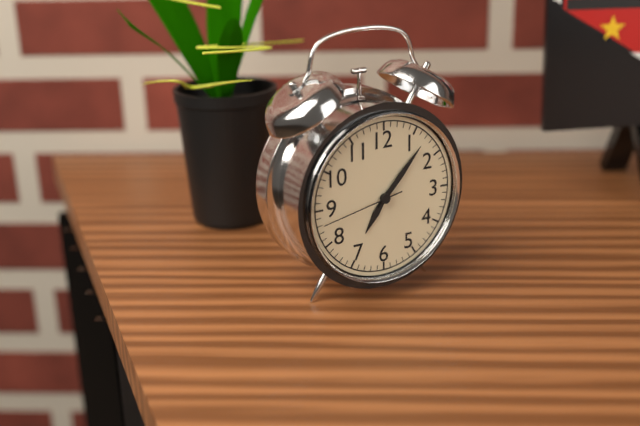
7 h 07 min 43 s
